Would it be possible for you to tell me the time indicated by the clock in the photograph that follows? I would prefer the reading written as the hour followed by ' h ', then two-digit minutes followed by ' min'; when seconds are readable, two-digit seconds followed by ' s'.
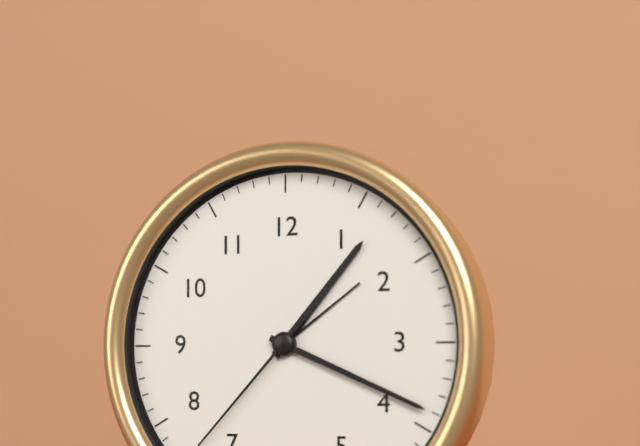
1 h 19 min 37 s
